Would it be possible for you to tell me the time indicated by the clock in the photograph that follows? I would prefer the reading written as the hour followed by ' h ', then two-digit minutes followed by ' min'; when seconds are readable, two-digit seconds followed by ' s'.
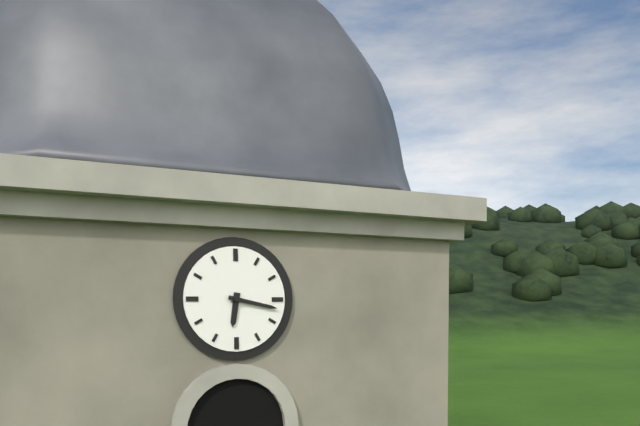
6 h 17 min
